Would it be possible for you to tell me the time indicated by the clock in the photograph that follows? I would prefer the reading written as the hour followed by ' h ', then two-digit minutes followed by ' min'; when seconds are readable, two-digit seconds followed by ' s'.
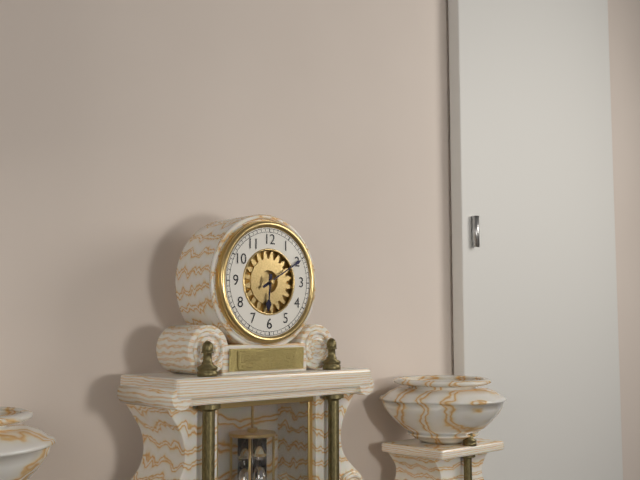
6 h 10 min
